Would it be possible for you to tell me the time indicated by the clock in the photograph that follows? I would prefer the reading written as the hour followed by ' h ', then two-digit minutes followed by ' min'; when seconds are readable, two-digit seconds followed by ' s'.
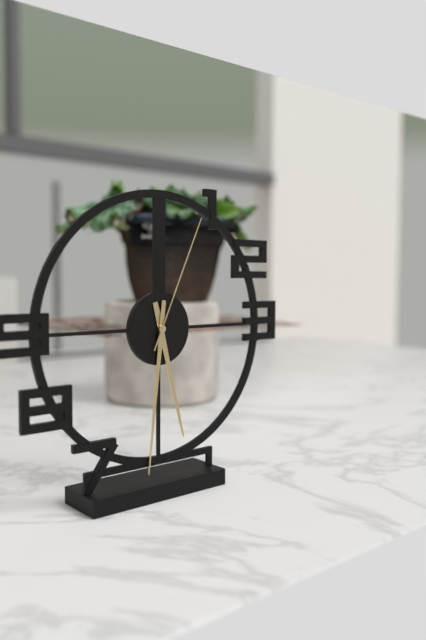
5 h 31 min 04 s
